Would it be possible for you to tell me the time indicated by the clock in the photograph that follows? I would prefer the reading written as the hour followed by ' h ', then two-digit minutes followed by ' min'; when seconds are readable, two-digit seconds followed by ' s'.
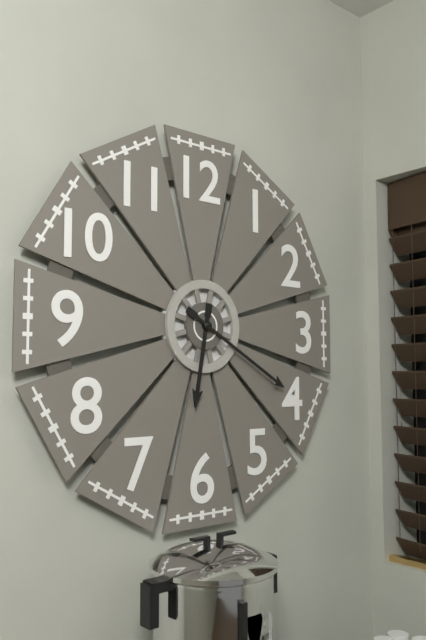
6 h 20 min
